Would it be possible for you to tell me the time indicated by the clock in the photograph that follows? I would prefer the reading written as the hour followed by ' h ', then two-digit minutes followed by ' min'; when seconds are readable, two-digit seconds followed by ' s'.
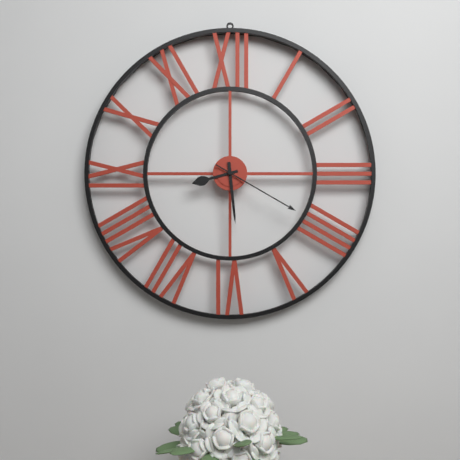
8 h 29 min 20 s
